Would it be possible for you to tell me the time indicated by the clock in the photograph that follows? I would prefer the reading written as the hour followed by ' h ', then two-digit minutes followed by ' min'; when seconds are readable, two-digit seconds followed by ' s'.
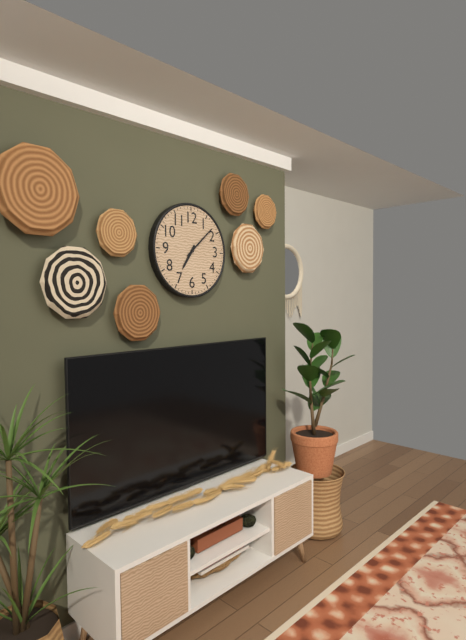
7 h 08 min
